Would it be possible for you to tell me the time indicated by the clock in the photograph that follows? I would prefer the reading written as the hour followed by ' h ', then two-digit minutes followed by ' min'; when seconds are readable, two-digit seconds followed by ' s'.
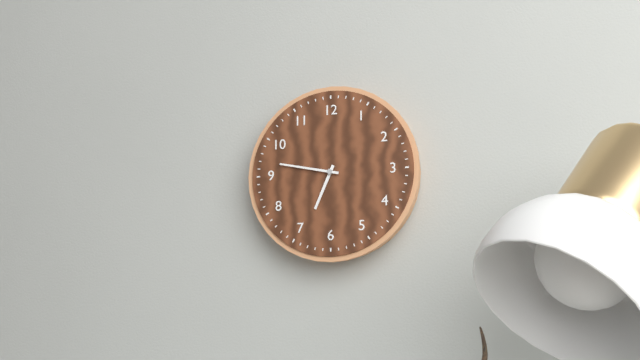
6 h 47 min
